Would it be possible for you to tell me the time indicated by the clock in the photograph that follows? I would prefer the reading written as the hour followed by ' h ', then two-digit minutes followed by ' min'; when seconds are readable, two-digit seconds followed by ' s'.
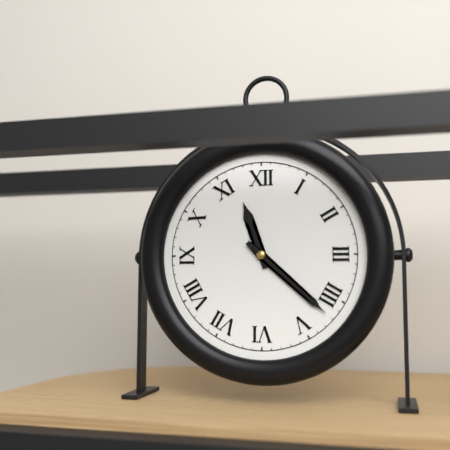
11 h 22 min
